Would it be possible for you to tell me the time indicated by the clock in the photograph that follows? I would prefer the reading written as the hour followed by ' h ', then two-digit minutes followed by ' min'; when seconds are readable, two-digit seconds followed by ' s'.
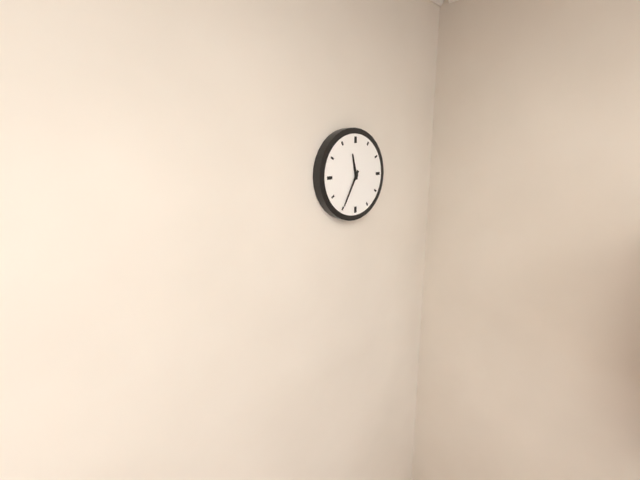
11 h 35 min
